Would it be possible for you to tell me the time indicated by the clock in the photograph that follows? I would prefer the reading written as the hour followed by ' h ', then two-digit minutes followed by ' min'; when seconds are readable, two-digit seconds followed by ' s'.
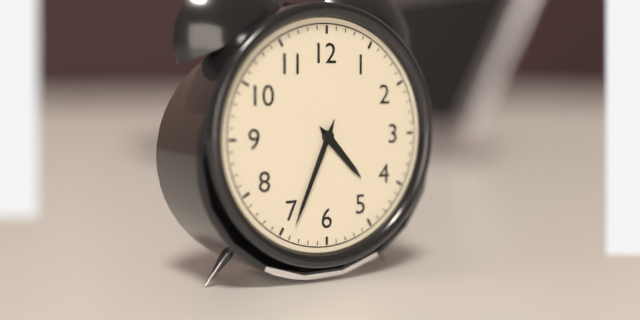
4 h 34 min
